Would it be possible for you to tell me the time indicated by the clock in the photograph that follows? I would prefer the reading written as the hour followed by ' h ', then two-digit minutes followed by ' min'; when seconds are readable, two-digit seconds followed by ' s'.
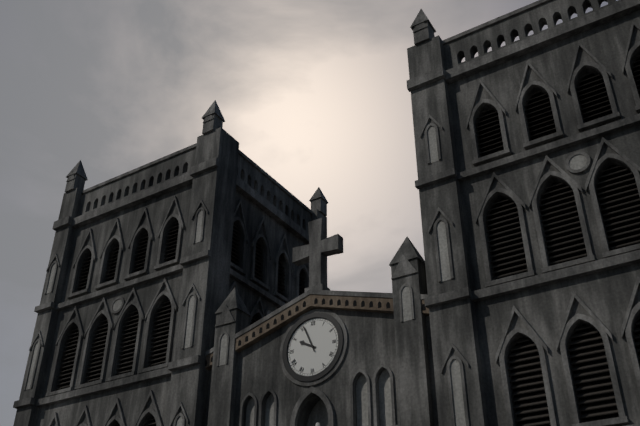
9 h 56 min
